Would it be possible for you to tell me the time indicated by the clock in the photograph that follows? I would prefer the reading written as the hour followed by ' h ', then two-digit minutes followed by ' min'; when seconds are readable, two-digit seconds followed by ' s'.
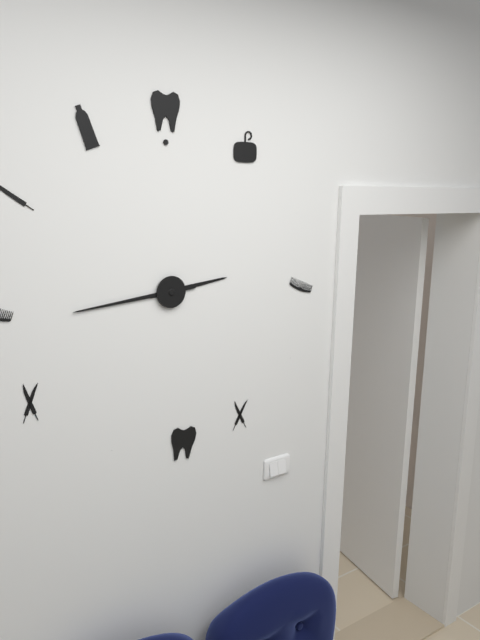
2 h 44 min
